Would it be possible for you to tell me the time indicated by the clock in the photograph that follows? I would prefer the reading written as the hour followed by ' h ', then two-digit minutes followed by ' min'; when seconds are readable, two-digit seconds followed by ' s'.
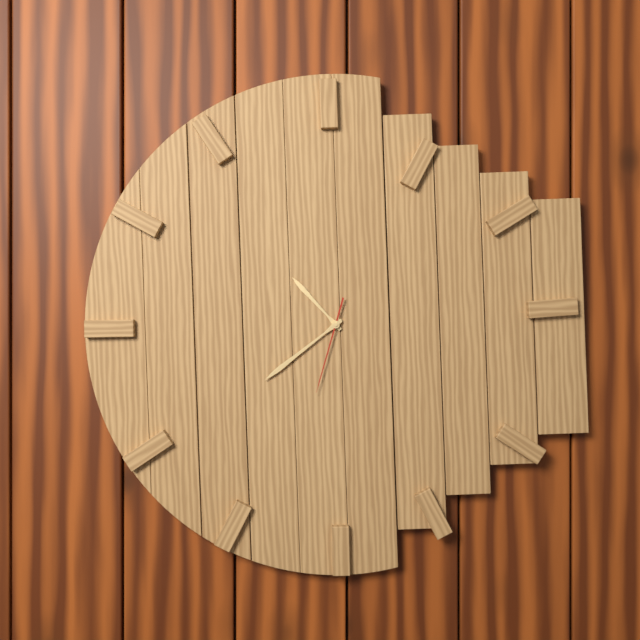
10 h 39 min 33 s
